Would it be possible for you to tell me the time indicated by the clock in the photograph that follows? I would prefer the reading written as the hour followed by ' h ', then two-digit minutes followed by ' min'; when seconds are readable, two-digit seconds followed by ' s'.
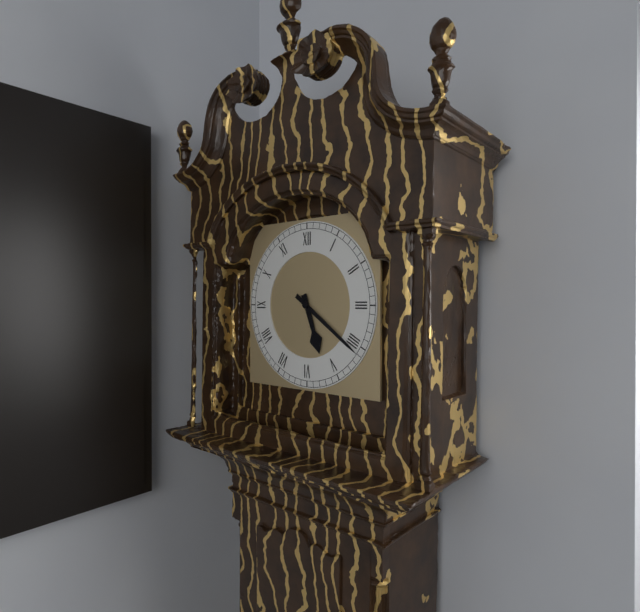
5 h 21 min
